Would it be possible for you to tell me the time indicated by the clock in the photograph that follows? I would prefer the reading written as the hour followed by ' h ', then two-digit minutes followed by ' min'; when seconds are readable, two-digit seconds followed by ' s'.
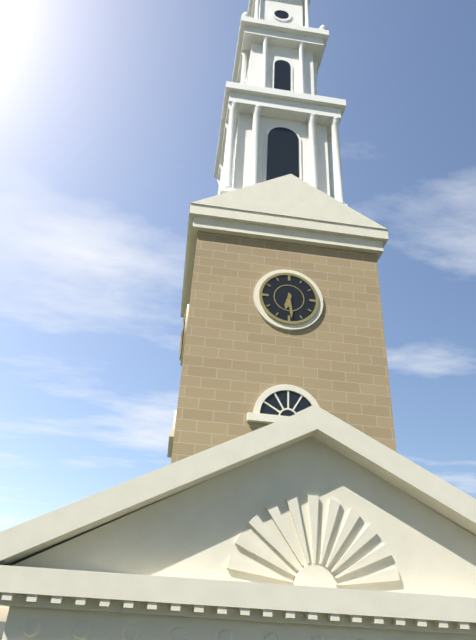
6 h 29 min
